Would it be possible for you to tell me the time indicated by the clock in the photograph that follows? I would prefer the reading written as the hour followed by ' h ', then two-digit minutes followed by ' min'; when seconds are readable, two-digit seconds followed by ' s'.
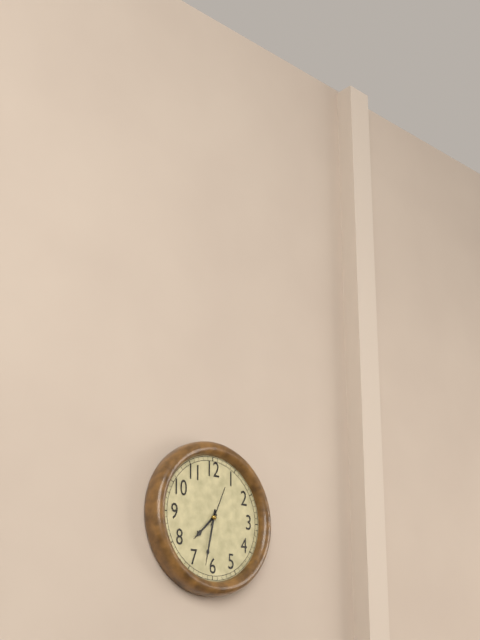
7 h 32 min
